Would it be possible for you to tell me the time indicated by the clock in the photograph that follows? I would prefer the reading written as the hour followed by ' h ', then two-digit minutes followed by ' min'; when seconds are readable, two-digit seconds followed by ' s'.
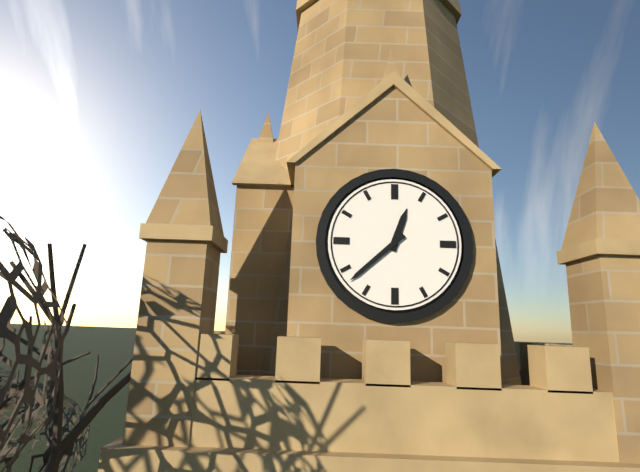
12 h 38 min
